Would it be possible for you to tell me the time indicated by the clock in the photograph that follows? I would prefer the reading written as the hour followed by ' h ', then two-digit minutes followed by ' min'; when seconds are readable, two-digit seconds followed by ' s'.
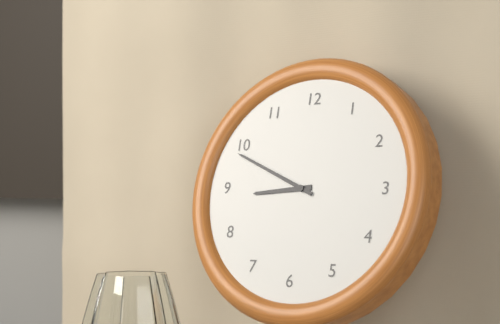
8 h 49 min
